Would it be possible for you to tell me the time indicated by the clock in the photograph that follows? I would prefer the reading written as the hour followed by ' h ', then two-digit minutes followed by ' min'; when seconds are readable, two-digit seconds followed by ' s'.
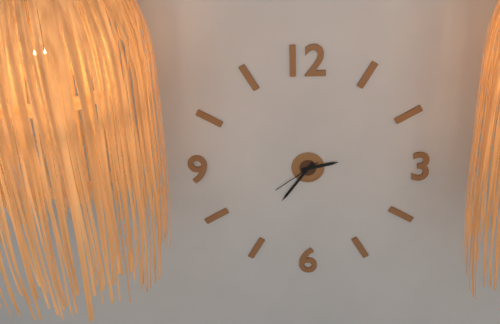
2 h 36 min
